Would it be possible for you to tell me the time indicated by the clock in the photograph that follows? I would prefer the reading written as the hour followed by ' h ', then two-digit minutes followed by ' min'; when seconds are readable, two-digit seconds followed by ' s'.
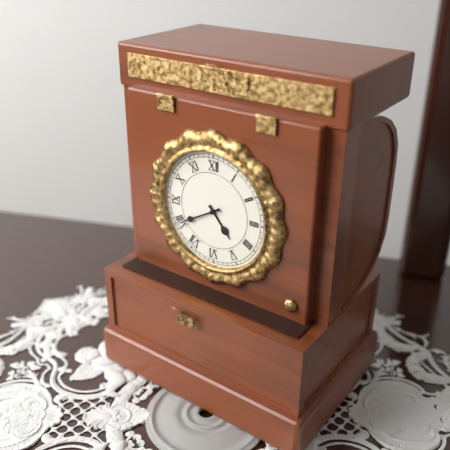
4 h 40 min
